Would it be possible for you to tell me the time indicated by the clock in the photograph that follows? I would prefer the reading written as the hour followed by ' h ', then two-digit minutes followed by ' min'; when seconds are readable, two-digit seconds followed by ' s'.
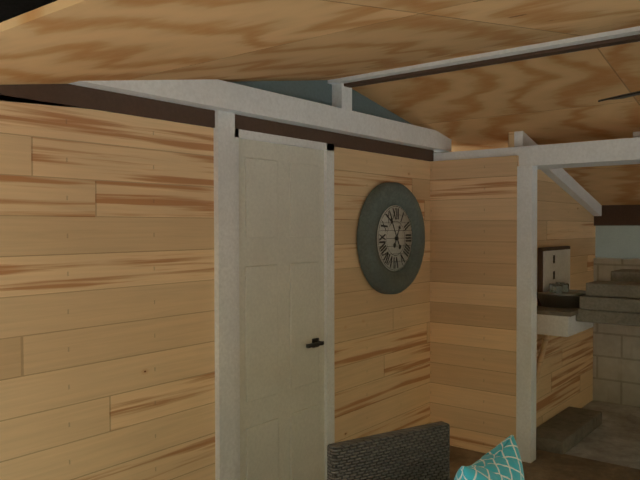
12 h 55 min
